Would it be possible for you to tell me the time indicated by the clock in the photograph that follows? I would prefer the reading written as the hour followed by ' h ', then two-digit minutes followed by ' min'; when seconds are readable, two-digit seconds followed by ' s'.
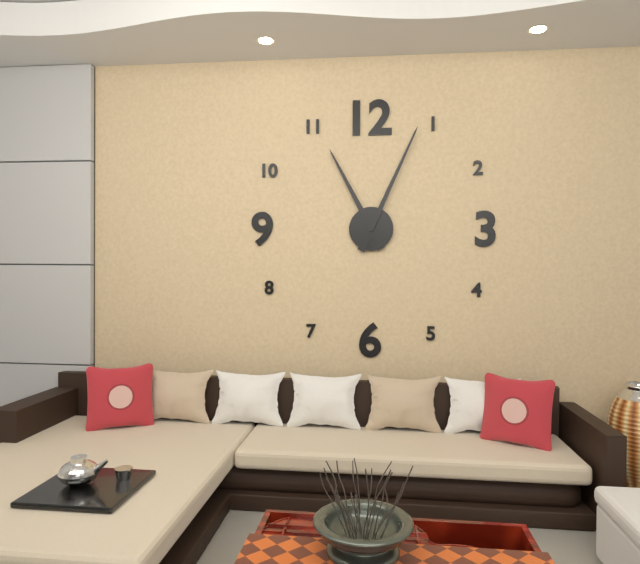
11 h 04 min
